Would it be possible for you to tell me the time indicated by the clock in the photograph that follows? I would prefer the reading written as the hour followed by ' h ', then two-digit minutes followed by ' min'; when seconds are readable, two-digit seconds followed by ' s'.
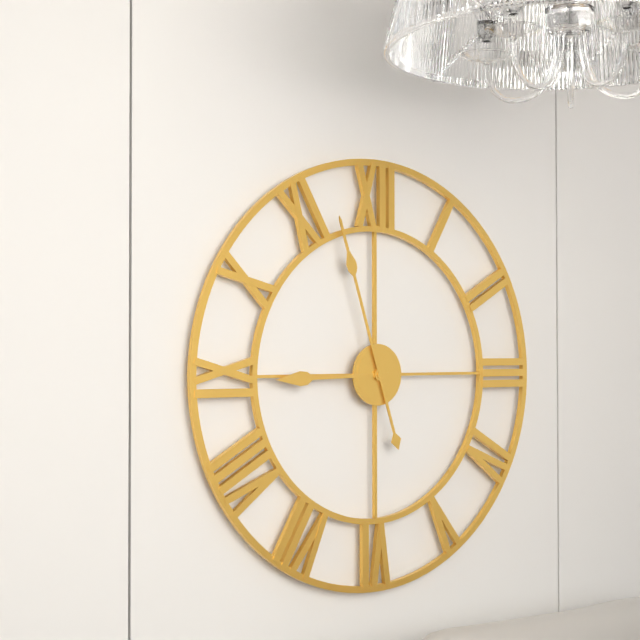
8 h 57 min
